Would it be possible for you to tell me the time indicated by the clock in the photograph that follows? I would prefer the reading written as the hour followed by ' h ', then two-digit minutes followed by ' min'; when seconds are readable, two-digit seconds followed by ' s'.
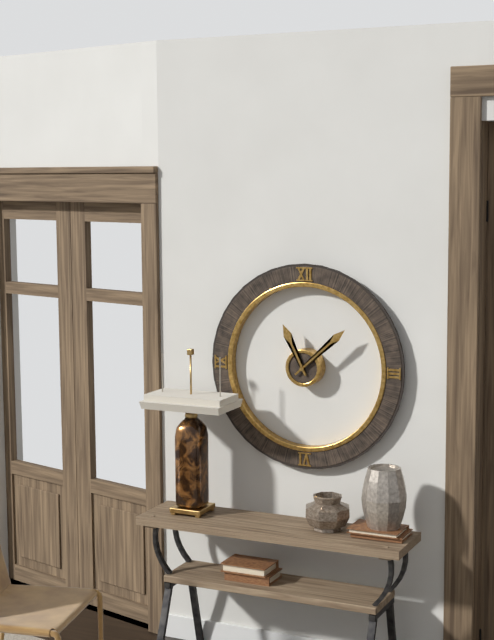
11 h 08 min
